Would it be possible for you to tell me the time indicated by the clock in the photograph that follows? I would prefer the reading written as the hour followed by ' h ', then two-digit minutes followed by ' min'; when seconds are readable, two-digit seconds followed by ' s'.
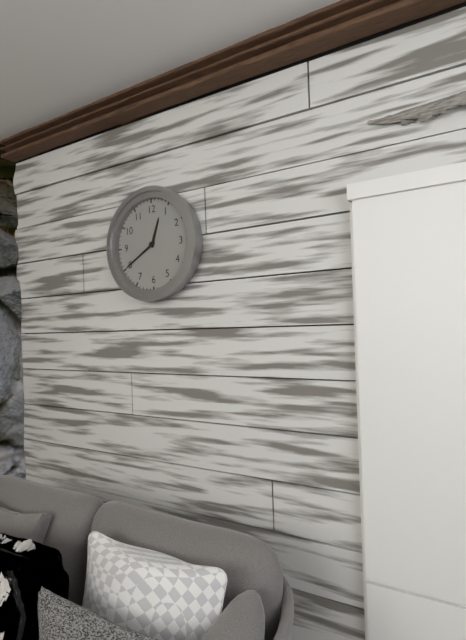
12 h 40 min
